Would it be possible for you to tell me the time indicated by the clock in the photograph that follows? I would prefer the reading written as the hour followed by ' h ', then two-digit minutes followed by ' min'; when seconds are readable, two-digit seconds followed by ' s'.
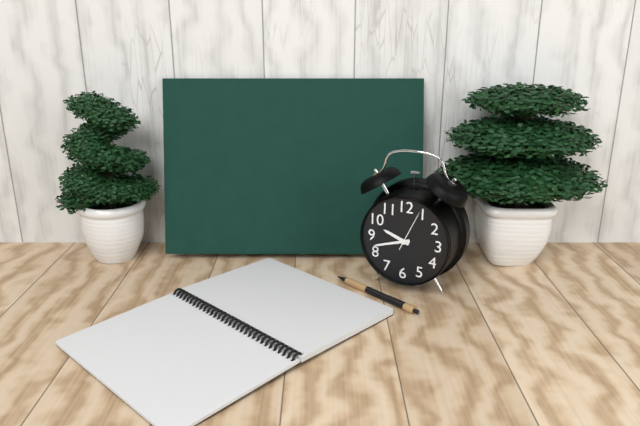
9 h 42 min
